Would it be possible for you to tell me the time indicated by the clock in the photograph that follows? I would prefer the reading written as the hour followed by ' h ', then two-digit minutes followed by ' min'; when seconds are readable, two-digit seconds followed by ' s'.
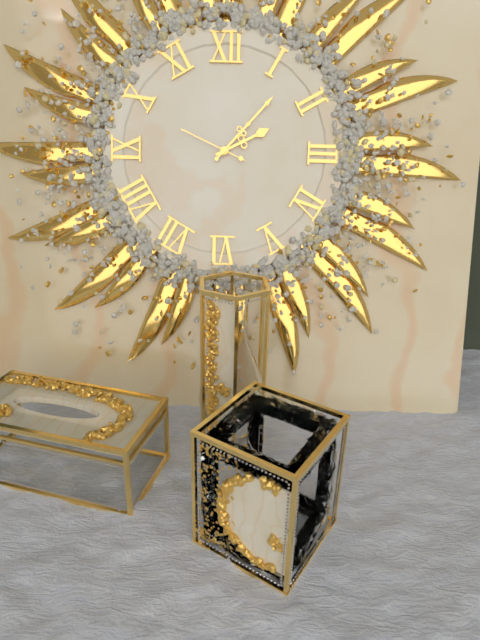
2 h 07 min 49 s
